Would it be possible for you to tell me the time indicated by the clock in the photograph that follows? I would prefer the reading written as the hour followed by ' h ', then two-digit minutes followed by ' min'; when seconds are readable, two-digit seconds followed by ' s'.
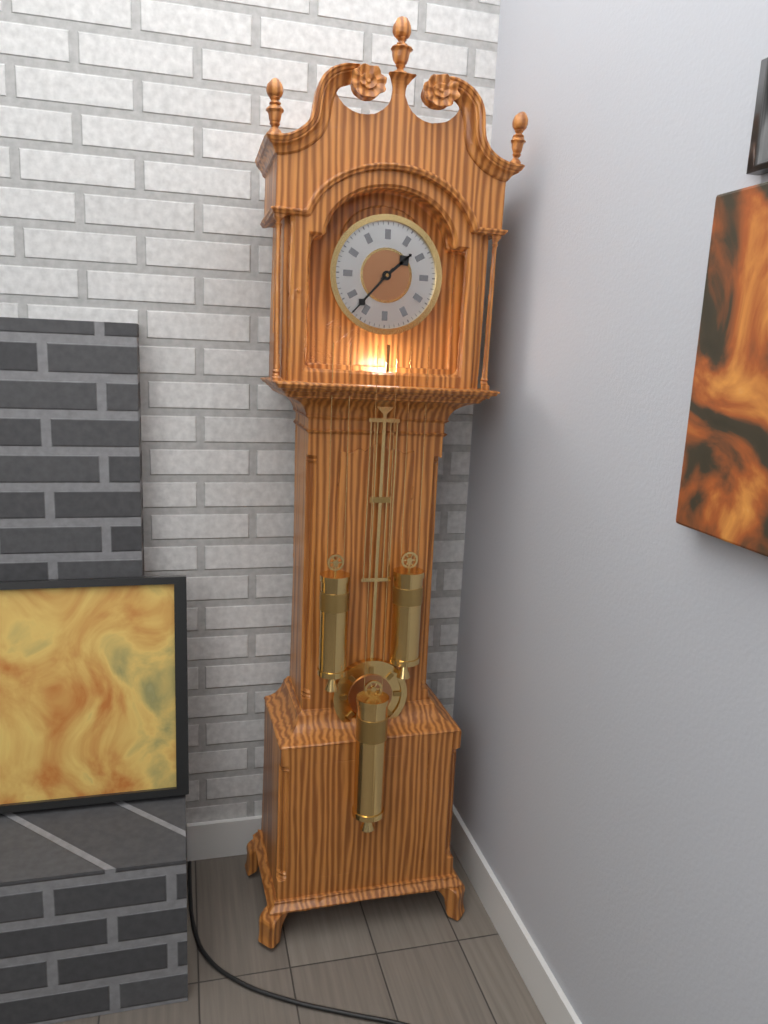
1 h 37 min
